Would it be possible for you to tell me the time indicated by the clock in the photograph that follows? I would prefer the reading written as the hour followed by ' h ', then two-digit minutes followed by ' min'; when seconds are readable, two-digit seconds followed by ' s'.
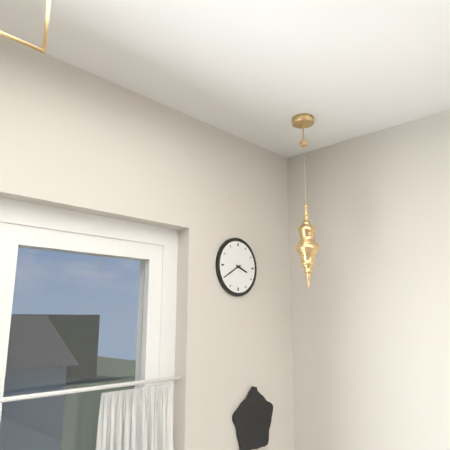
3 h 40 min
